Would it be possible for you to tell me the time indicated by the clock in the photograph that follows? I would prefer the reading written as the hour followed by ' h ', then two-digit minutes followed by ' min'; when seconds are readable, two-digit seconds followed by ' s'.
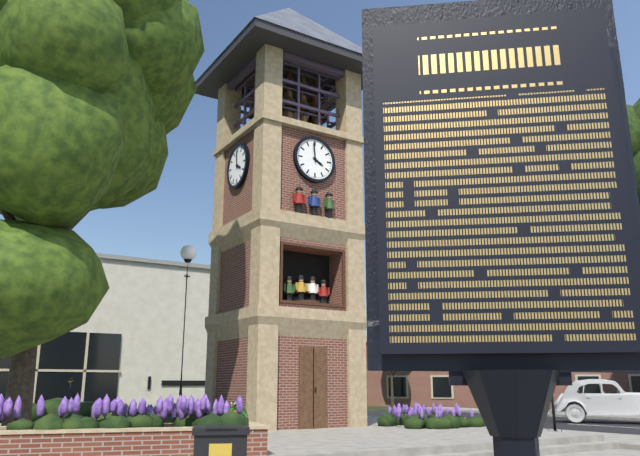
3 h 59 min
